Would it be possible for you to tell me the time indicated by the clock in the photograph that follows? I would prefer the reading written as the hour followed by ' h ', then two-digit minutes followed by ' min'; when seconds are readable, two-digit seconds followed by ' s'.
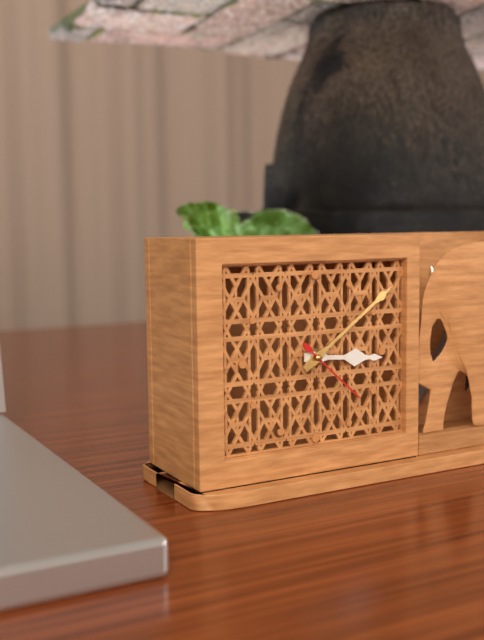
3 h 09 min 22 s
